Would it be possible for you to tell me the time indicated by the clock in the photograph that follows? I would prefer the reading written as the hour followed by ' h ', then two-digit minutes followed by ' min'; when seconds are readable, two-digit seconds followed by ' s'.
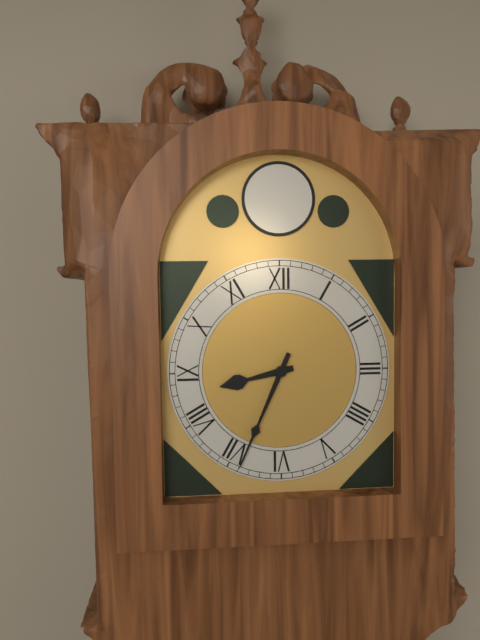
8 h 34 min
